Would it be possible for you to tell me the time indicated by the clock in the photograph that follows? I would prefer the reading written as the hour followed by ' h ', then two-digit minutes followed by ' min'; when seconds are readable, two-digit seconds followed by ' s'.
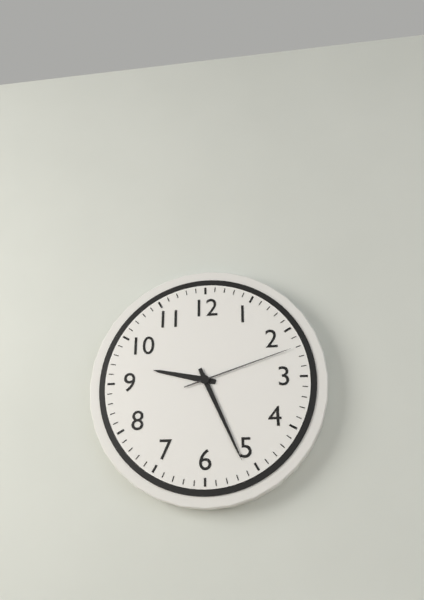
9 h 26 min 12 s
